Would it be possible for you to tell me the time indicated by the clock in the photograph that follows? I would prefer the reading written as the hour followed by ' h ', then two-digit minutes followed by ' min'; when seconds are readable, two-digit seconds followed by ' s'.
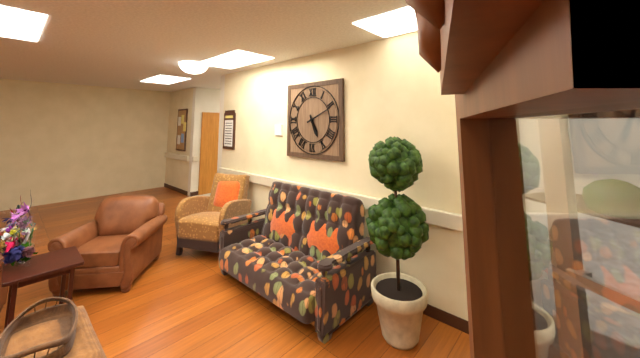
5 h 11 min
